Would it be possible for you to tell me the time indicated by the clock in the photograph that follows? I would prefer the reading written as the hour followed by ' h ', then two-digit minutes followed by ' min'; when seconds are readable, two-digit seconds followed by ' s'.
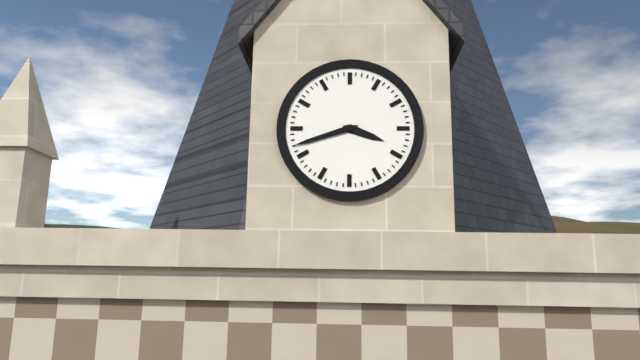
3 h 42 min
